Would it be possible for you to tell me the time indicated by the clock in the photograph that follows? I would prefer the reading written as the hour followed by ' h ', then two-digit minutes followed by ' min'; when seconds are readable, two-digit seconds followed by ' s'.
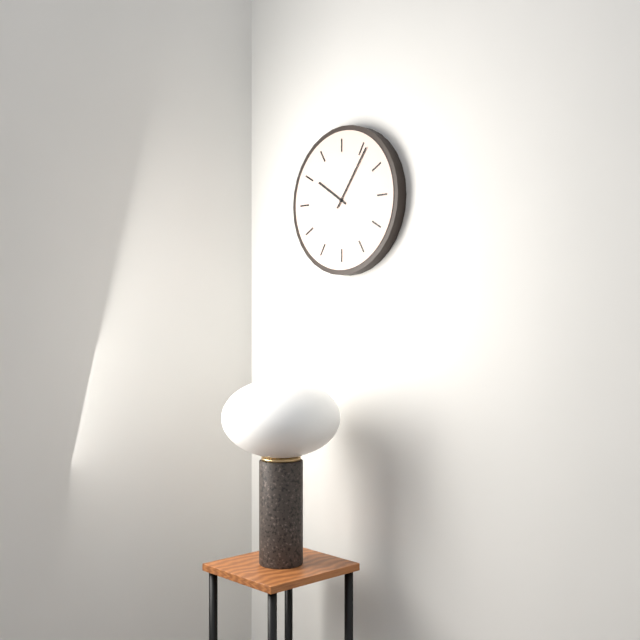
10 h 06 min
